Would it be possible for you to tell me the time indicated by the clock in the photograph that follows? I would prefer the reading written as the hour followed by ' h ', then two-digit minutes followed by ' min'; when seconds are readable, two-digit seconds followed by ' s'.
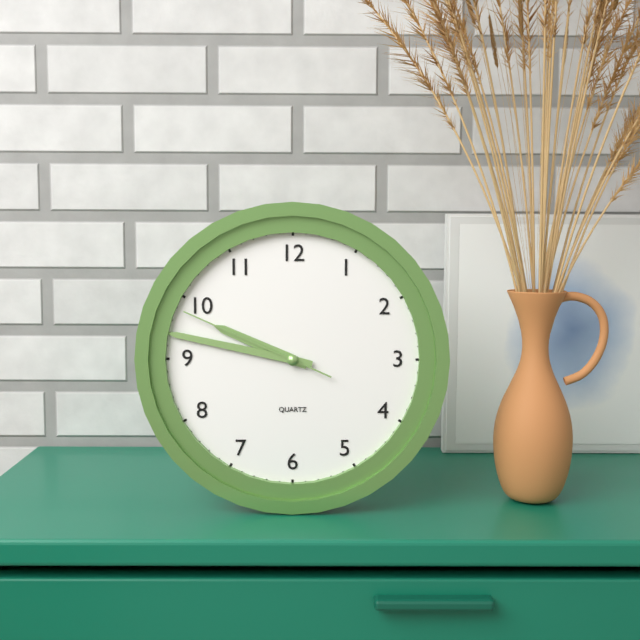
9 h 47 min 49 s
